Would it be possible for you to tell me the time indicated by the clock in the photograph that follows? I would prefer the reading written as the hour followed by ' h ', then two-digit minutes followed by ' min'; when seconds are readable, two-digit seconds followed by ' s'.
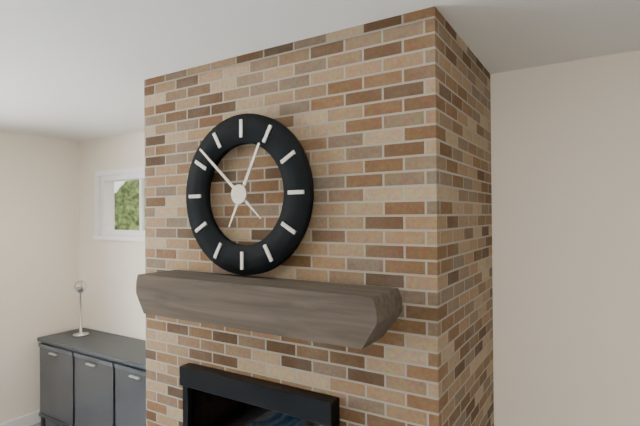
12 h 52 min
